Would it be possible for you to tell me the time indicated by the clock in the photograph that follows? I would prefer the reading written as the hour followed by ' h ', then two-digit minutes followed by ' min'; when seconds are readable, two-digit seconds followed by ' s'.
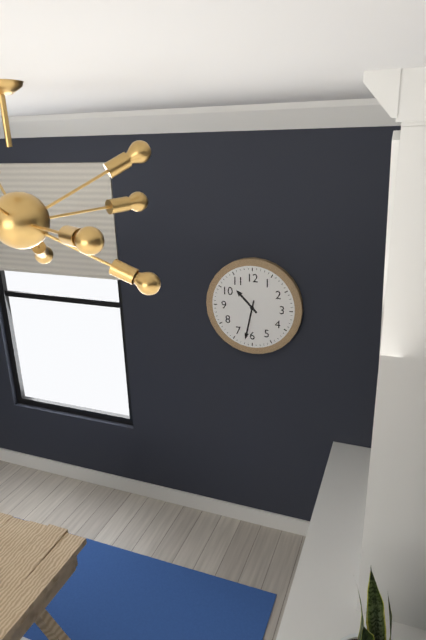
10 h 32 min
